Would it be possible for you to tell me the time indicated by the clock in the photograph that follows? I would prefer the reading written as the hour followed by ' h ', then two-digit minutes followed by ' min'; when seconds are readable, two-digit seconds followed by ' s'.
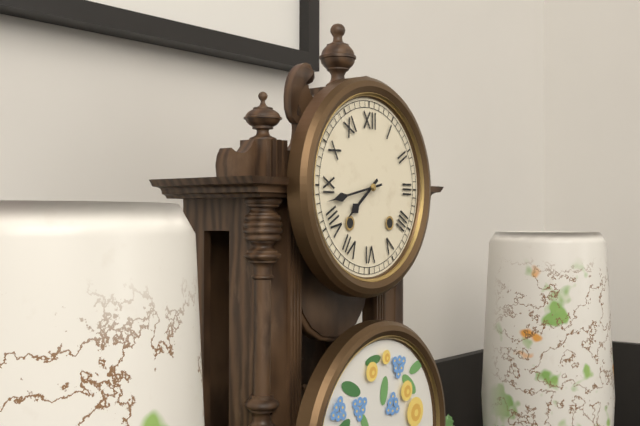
7 h 43 min
